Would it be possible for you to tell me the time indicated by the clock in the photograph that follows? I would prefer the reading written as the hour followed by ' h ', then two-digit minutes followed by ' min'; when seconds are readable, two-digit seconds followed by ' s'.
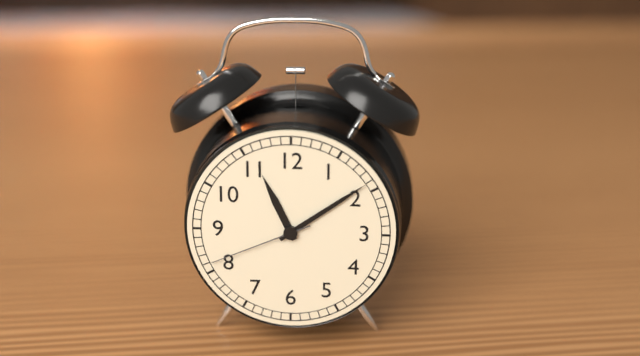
11 h 09 min 41 s
